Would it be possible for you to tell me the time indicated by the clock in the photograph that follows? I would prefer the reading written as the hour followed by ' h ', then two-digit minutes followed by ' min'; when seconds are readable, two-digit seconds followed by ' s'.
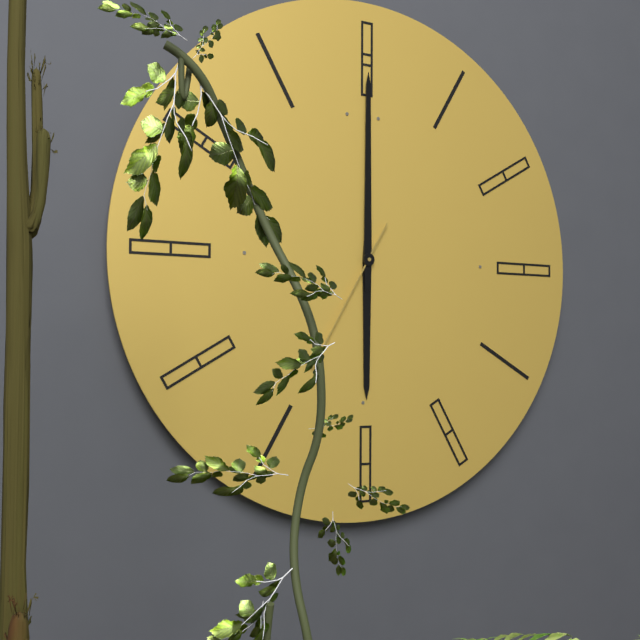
6 h 00 min 35 s
